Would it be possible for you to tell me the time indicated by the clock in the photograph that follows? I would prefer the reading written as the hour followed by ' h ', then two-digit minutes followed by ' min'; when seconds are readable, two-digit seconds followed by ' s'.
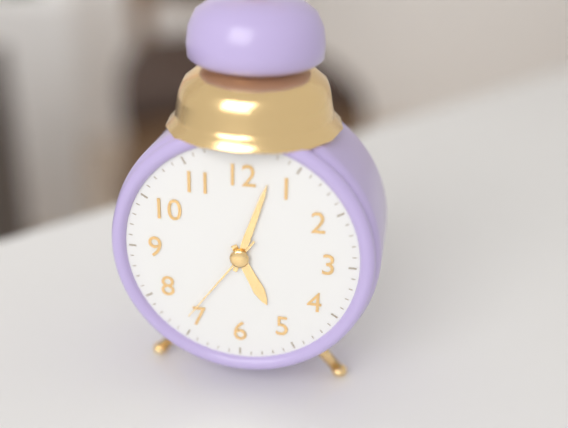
5 h 03 min 36 s
